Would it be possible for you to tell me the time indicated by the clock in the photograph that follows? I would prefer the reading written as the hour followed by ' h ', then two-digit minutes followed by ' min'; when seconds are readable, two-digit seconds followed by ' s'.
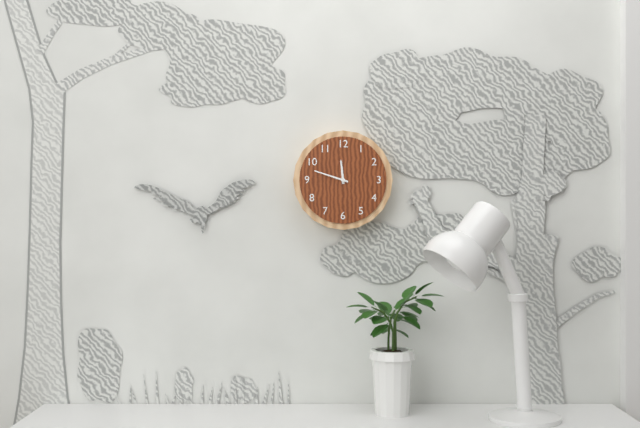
11 h 48 min
